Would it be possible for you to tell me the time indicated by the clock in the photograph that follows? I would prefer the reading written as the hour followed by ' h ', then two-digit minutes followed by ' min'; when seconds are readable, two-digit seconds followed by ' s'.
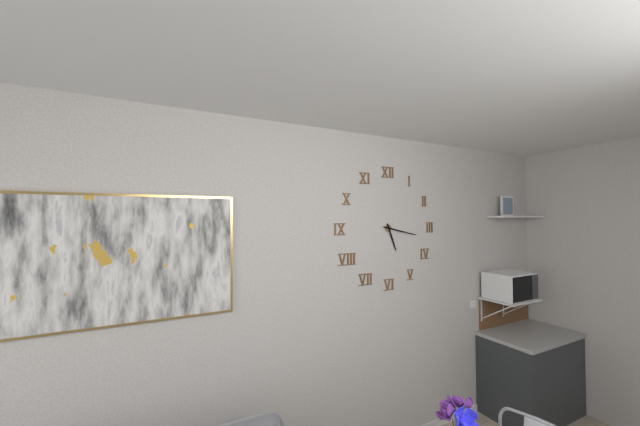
5 h 17 min
